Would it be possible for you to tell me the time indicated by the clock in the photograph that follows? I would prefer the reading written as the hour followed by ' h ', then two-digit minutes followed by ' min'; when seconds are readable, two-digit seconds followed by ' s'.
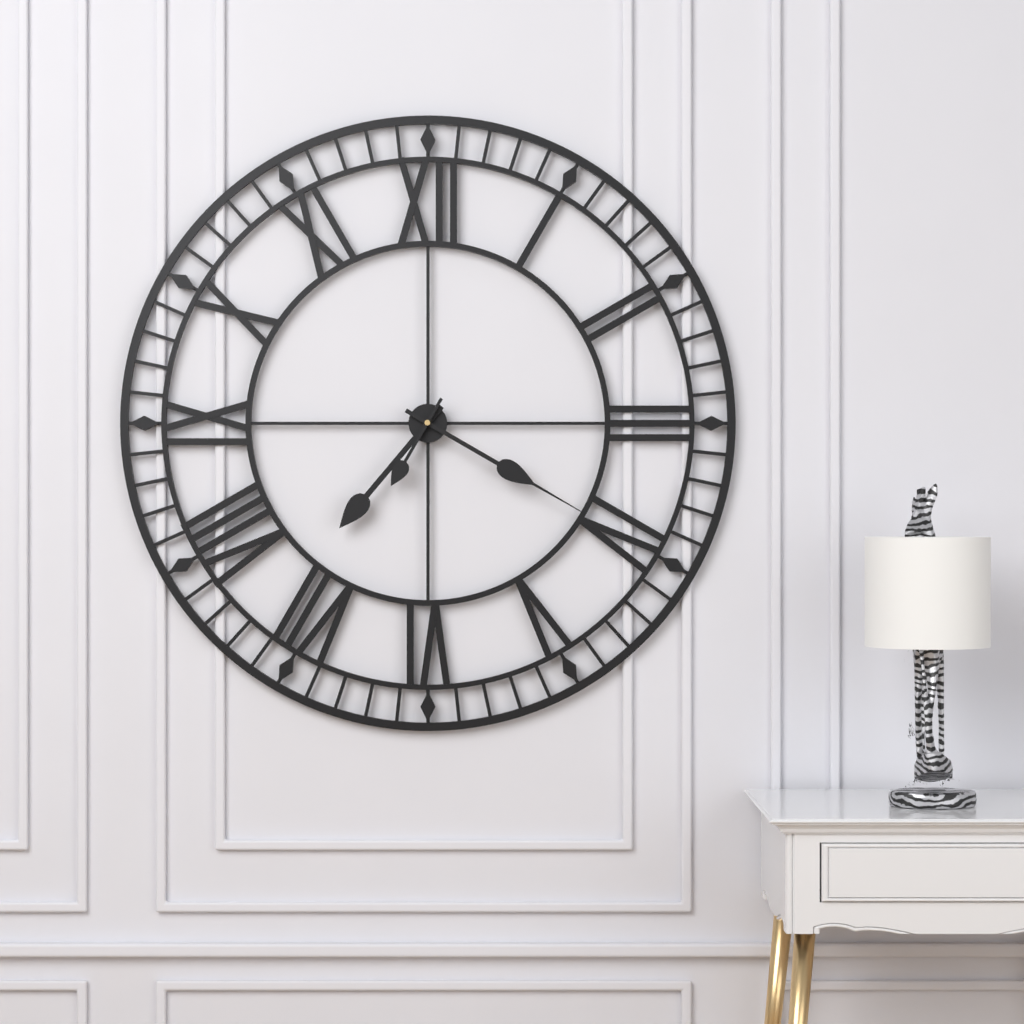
7 h 20 min 35 s
